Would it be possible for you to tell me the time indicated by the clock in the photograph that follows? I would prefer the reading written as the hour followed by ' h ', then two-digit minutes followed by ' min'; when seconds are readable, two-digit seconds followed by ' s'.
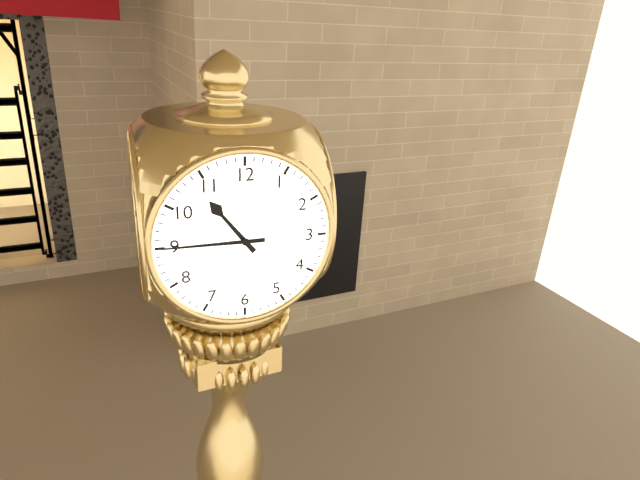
10 h 45 min
